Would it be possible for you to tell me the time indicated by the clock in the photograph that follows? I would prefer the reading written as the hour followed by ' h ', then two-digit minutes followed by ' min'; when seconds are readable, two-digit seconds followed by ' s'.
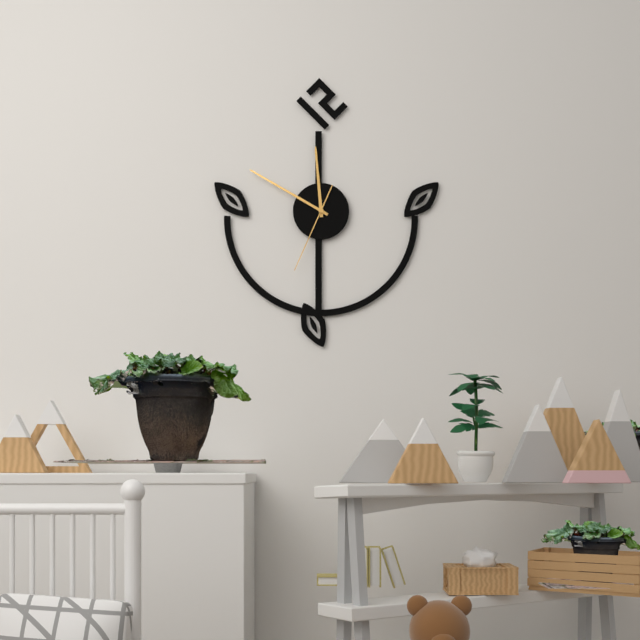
11 h 50 min 34 s
